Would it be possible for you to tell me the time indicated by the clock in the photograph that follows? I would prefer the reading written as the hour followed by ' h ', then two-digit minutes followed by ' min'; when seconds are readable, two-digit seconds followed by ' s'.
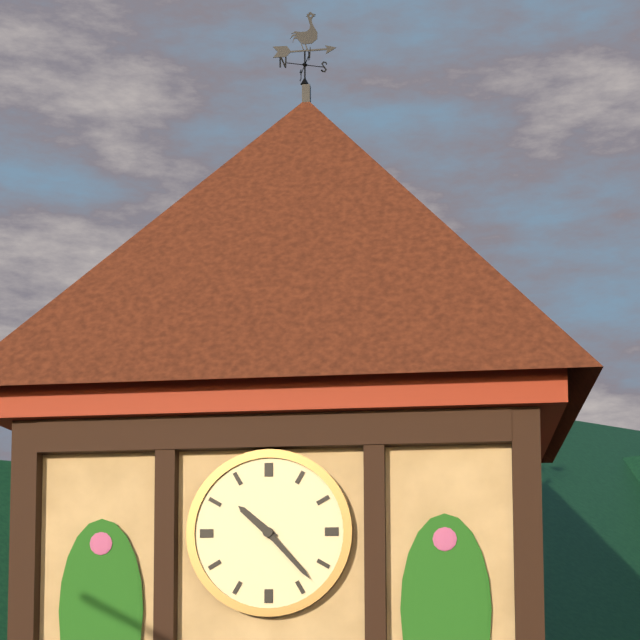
10 h 23 min
